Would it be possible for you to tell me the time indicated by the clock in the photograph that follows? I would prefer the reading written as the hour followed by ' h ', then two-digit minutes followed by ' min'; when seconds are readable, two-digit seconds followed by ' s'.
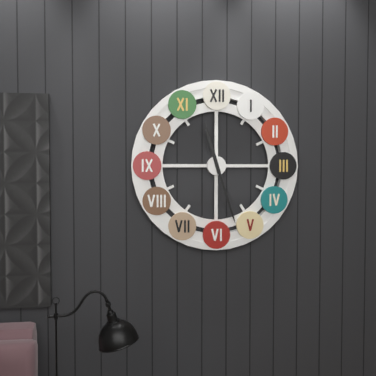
11 h 27 min
